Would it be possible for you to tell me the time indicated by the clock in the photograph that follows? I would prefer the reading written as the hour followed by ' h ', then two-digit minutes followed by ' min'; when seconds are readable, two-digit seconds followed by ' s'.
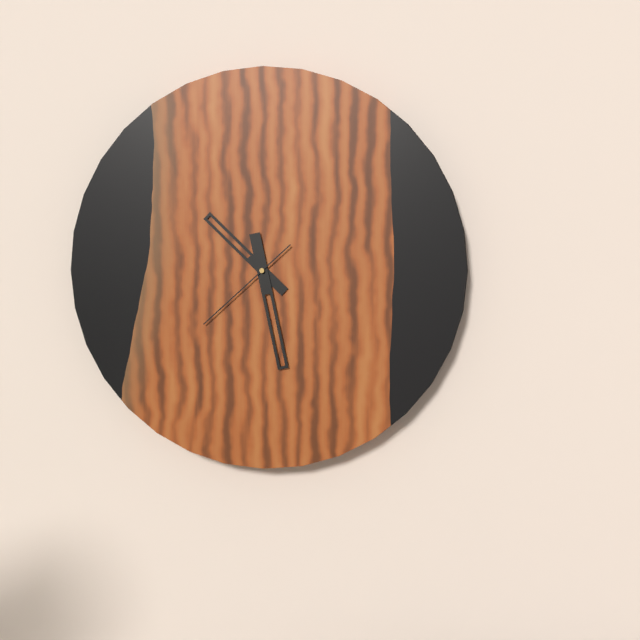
10 h 28 min 38 s
